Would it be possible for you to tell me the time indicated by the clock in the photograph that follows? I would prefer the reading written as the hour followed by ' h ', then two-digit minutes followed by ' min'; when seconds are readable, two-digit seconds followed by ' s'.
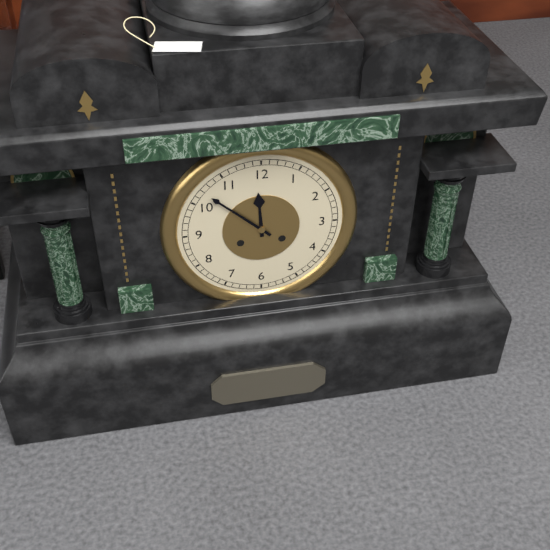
11 h 52 min
